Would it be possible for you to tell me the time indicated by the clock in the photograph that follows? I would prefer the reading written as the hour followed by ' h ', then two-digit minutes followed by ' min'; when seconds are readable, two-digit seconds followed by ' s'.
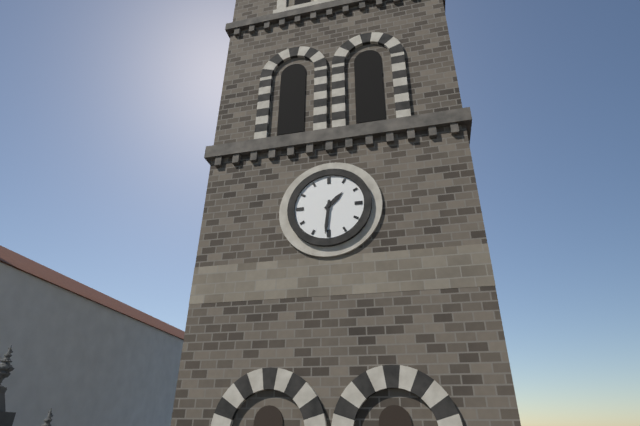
1 h 31 min
